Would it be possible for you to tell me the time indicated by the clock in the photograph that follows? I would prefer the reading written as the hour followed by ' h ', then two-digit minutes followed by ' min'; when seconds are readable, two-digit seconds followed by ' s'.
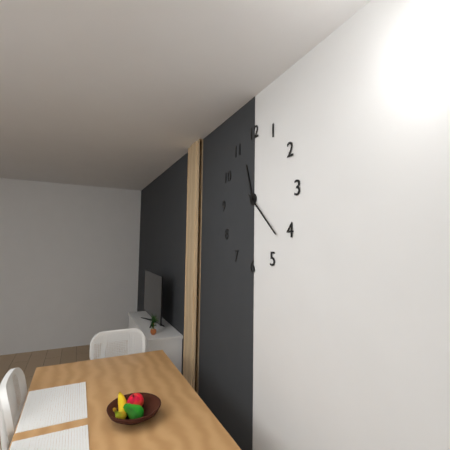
11 h 22 min
